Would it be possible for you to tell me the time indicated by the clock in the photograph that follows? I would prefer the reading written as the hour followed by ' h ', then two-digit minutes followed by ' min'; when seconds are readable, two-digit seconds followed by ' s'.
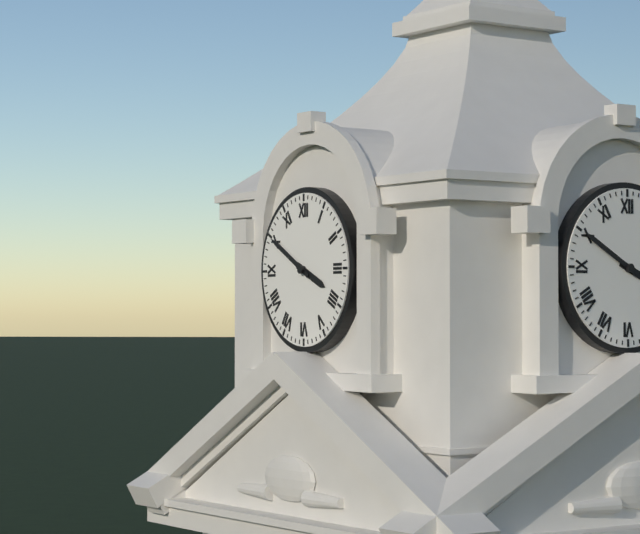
3 h 50 min
